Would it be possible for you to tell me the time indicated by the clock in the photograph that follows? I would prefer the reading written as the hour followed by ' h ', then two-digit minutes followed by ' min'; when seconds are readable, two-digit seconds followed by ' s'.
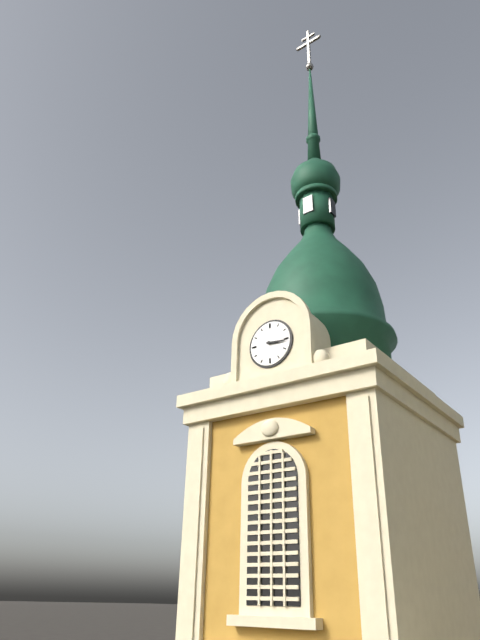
3 h 16 min
